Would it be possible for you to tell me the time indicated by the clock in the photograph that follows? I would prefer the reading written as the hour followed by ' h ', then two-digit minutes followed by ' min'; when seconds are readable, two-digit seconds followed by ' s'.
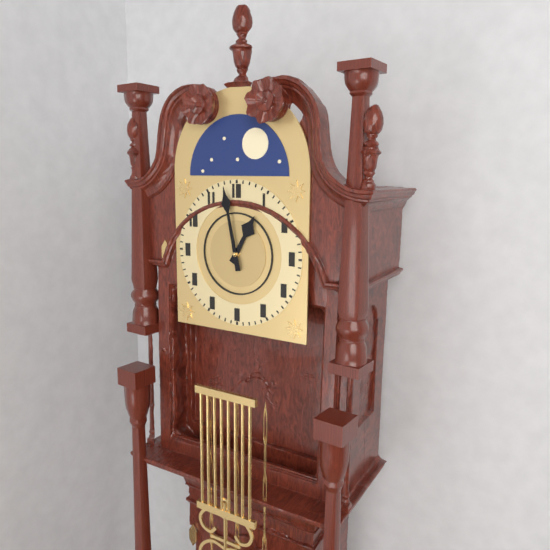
12 h 58 min
